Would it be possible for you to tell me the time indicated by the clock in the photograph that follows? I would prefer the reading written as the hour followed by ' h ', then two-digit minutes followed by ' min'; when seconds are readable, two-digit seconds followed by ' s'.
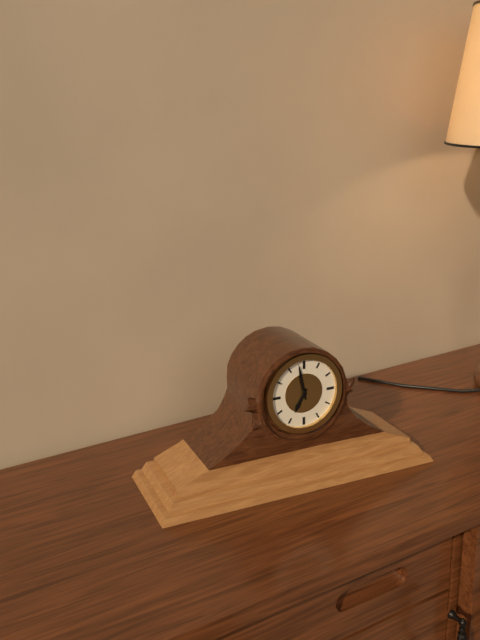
6 h 58 min
